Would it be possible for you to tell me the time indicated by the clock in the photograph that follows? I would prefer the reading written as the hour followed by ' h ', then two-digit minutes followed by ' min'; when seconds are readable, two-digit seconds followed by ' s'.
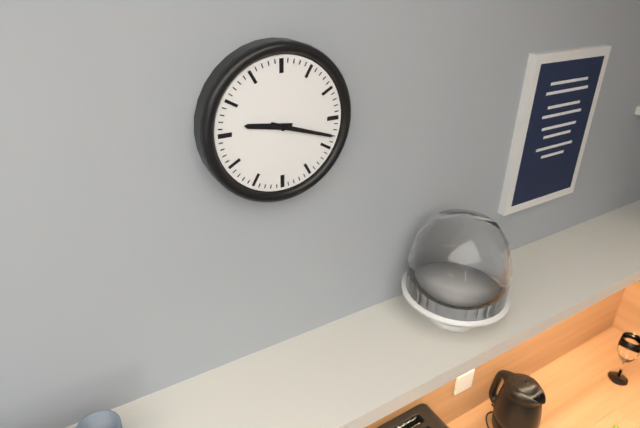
9 h 18 min
